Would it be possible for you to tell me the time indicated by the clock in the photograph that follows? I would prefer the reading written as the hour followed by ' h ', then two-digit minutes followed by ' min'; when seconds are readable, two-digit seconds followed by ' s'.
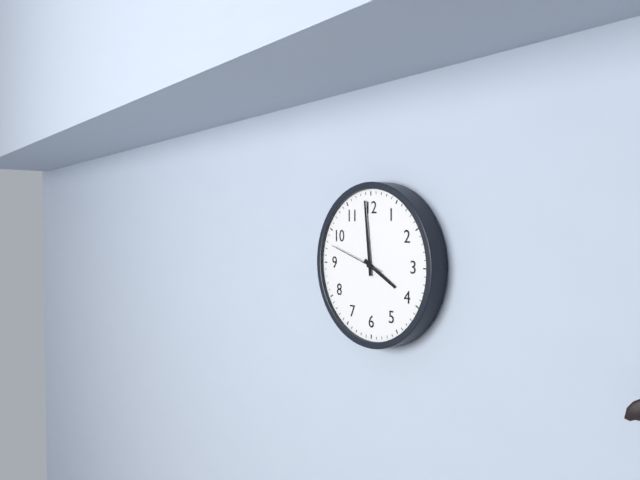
3 h 59 min 48 s
